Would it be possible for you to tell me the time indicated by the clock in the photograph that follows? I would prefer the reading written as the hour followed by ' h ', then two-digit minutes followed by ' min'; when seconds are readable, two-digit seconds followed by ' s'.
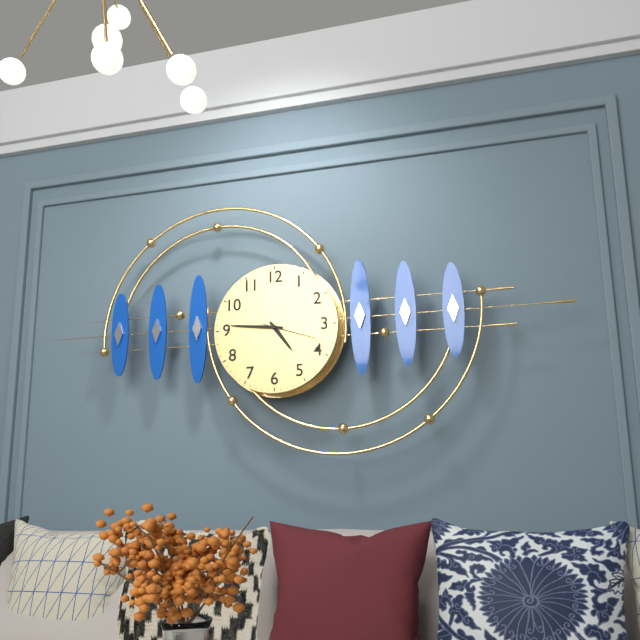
4 h 46 min 18 s
